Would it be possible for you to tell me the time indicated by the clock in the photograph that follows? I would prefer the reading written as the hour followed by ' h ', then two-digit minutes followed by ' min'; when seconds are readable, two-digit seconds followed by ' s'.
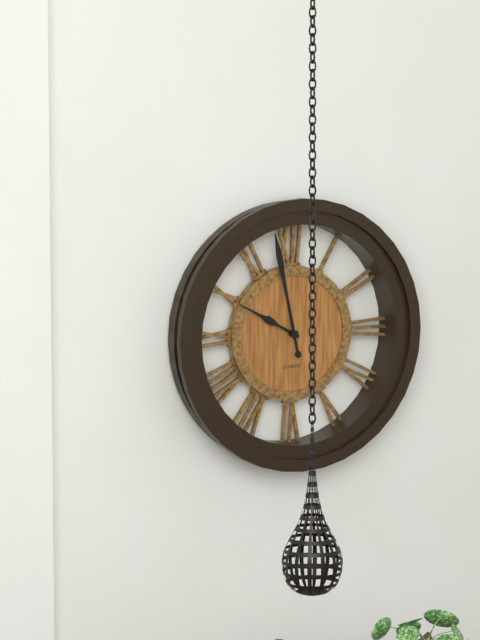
9 h 58 min
